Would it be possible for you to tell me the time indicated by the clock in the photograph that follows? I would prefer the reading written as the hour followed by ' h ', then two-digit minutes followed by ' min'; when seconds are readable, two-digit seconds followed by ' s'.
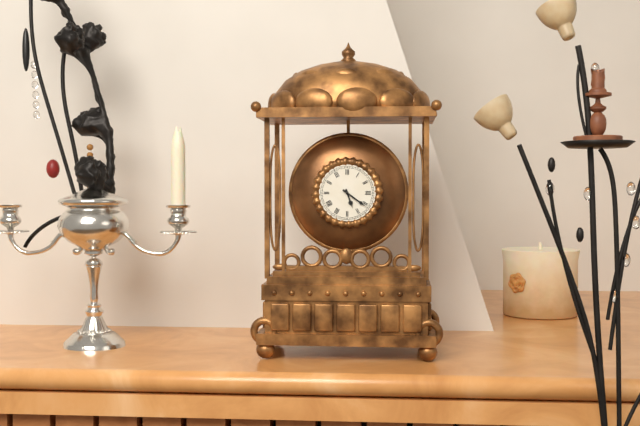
5 h 21 min
